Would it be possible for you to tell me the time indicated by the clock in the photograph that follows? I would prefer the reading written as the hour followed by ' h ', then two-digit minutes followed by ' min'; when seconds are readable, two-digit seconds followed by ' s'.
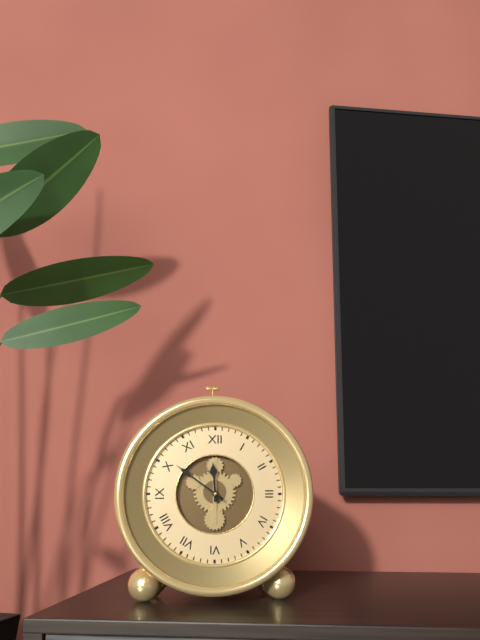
11 h 51 min
